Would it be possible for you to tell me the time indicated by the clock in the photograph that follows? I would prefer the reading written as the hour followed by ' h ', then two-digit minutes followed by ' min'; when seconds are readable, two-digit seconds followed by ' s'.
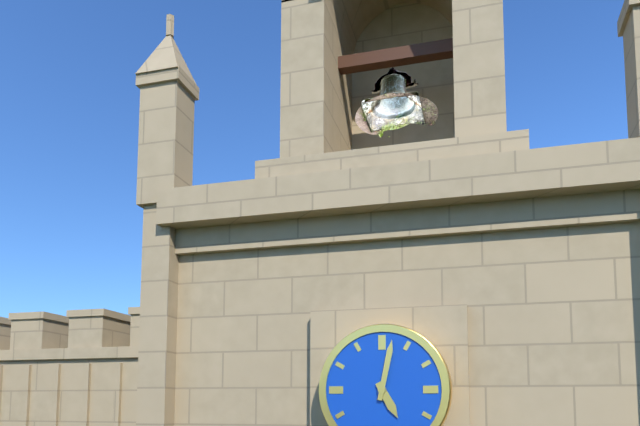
5 h 02 min
